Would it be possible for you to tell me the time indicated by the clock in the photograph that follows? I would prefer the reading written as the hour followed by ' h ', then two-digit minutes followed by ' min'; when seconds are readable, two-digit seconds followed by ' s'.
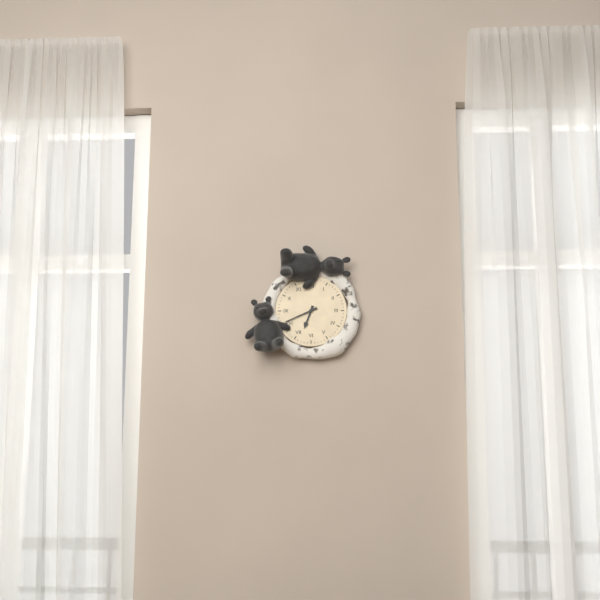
6 h 41 min
